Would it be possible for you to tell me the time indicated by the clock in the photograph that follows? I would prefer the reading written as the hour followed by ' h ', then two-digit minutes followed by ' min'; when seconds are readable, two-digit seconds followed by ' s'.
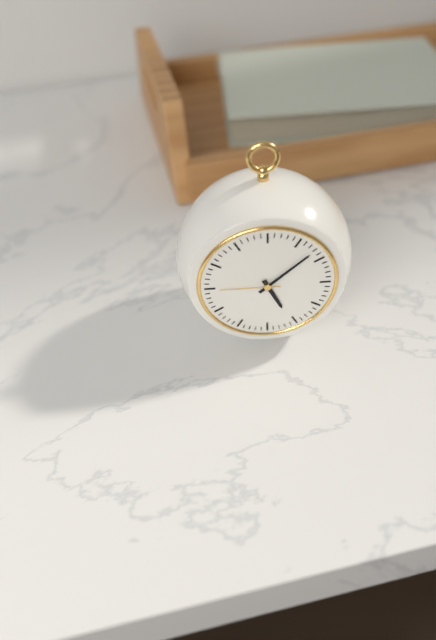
5 h 08 min 45 s
